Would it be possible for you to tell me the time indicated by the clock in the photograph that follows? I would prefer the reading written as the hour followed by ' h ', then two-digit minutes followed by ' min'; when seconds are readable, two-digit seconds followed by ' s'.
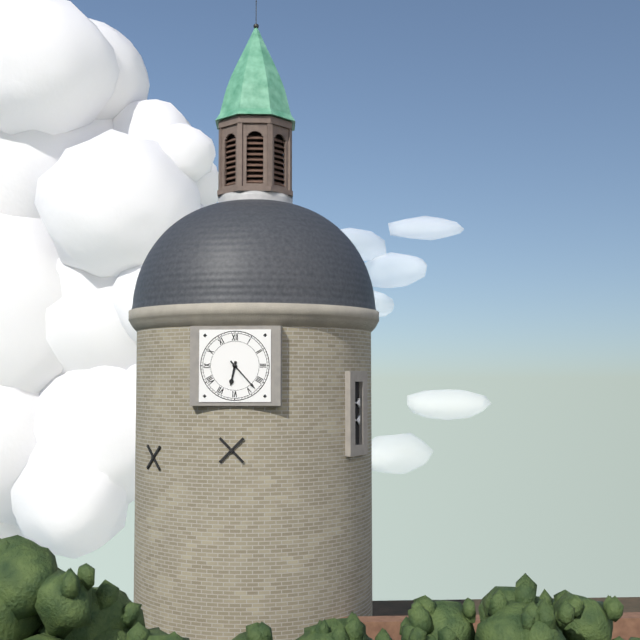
6 h 23 min
